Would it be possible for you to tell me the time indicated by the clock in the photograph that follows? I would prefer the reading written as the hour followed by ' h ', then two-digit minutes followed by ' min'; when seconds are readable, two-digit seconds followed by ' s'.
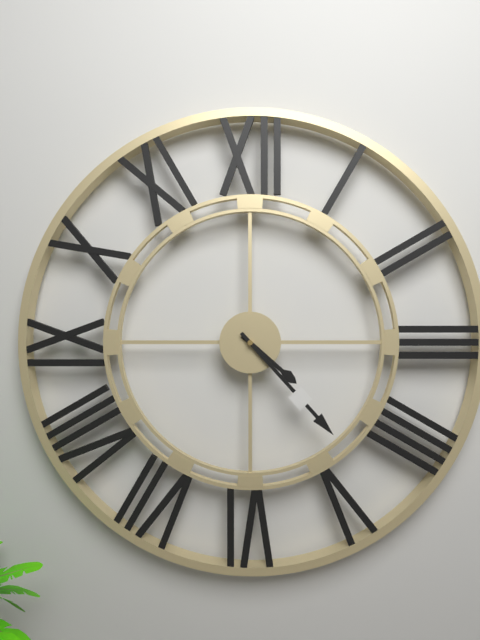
4 h 23 min
